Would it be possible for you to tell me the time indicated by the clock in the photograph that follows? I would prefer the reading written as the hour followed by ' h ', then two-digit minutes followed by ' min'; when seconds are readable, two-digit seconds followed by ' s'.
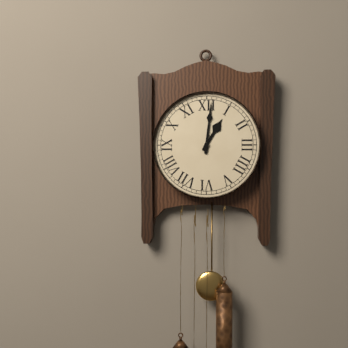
1 h 01 min
